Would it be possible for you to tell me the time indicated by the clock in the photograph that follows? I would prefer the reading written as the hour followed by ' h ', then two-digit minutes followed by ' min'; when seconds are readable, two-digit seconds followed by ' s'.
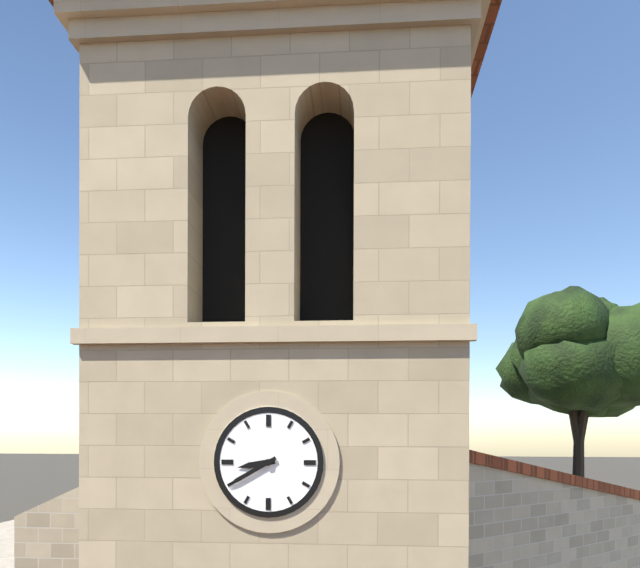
8 h 40 min
